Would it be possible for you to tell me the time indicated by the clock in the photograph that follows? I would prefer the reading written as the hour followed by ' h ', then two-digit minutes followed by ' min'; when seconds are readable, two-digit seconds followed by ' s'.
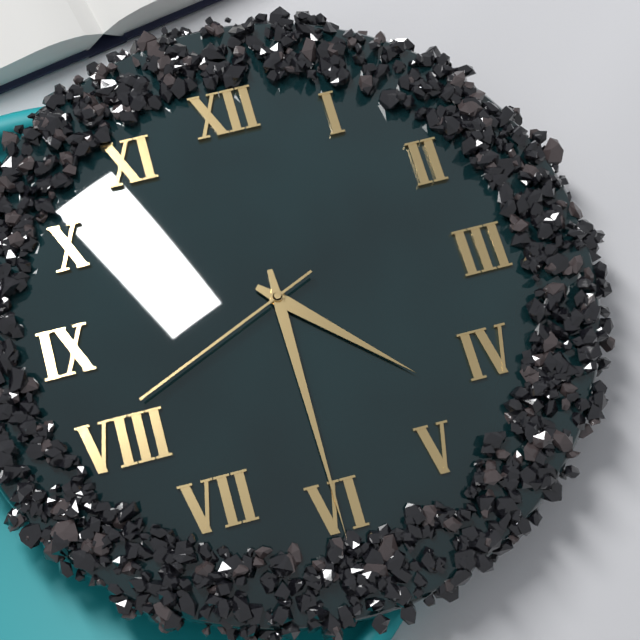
4 h 30 min 41 s
